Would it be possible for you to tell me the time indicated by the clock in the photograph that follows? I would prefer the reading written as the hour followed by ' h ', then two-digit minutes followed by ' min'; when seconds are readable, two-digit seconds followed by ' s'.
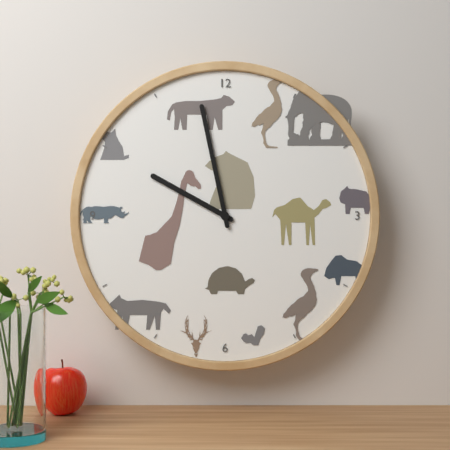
9 h 58 min
